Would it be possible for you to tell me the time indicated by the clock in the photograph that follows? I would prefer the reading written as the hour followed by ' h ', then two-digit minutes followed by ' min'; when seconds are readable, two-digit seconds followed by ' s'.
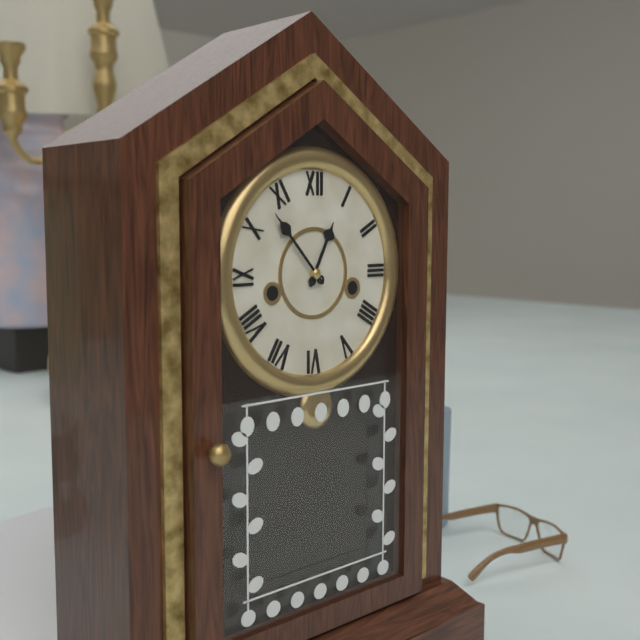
12 h 53 min
